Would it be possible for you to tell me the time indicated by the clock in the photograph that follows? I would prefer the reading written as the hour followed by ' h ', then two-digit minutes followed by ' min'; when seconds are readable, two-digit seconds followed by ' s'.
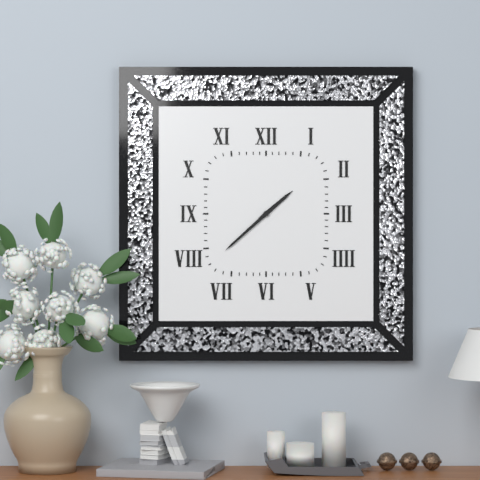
1 h 38 min
